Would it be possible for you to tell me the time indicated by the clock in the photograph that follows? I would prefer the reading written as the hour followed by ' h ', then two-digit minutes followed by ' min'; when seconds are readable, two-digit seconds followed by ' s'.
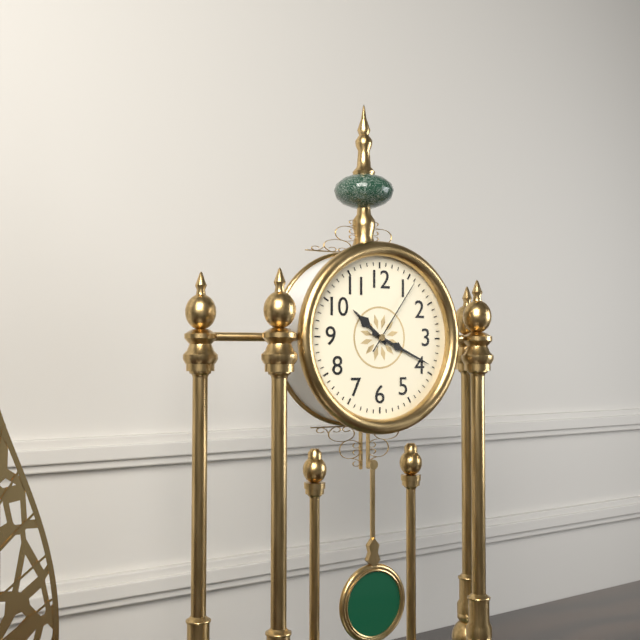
10 h 19 min 06 s
